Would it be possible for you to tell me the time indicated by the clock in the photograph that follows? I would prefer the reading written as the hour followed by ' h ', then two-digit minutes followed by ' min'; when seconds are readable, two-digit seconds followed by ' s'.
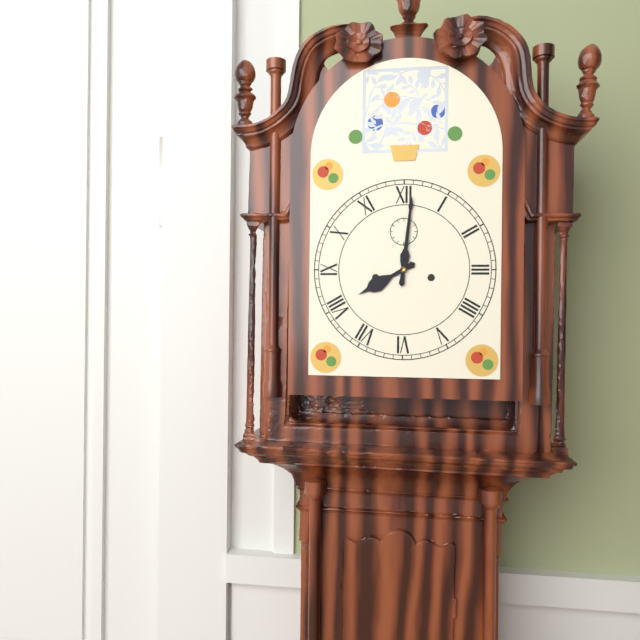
8 h 01 min
